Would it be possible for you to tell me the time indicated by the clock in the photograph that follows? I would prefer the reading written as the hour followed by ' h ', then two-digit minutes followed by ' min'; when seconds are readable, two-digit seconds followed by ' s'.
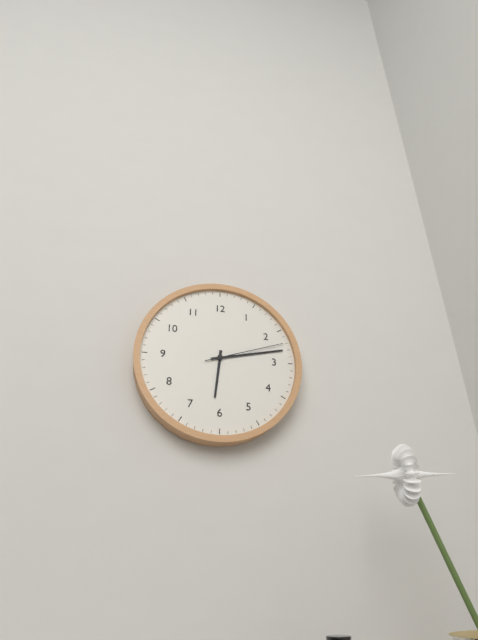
6 h 13 min 12 s
